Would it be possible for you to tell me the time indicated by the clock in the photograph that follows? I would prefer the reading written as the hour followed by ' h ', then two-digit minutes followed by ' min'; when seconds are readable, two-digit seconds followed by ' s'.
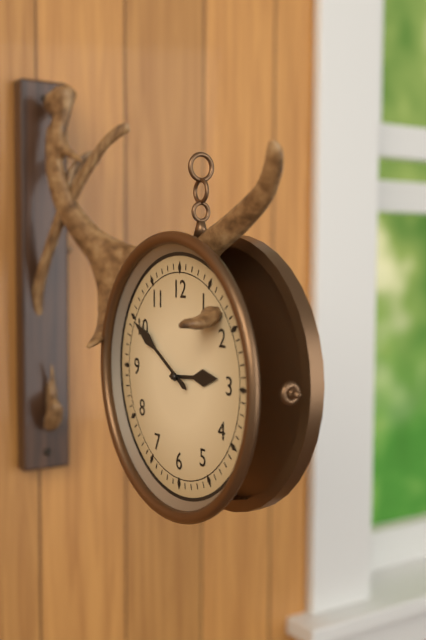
2 h 50 min
